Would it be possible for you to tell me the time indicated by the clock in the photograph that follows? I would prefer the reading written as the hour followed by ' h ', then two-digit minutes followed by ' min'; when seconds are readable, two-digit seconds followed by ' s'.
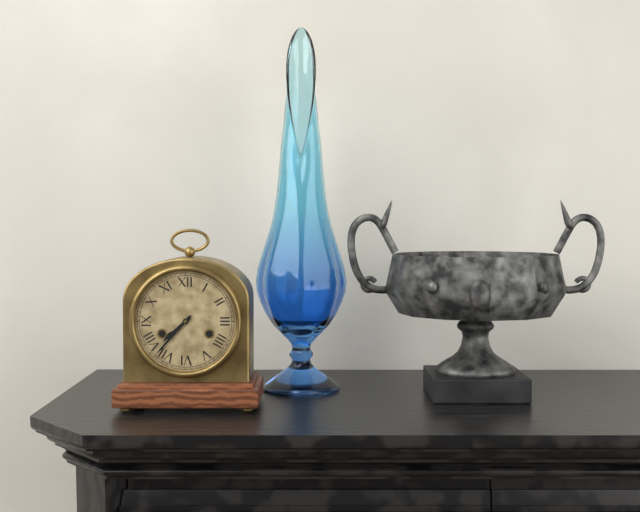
7 h 37 min
